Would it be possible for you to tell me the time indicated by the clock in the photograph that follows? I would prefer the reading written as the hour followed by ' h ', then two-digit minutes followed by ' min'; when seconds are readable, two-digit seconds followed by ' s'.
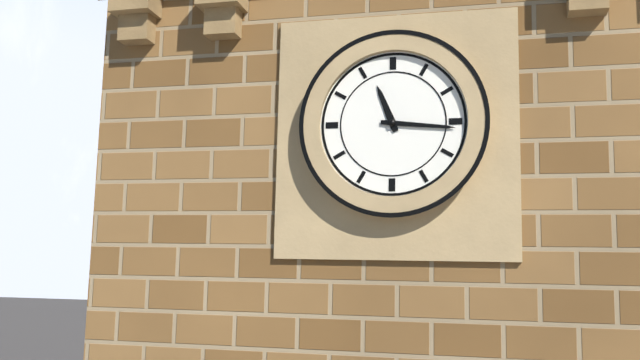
11 h 16 min
